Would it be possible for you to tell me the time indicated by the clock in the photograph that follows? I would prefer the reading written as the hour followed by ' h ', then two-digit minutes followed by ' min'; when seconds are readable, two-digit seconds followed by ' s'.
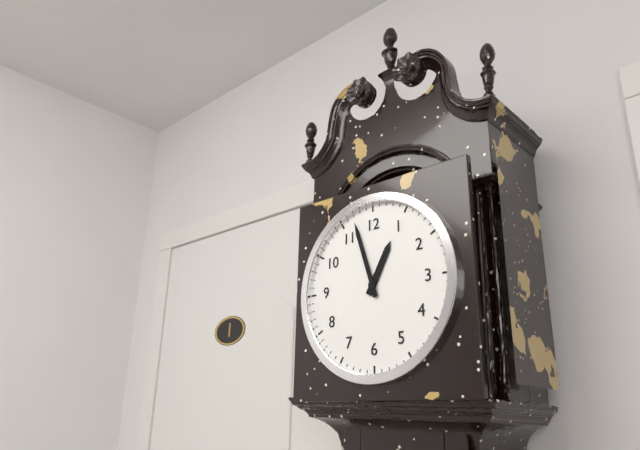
12 h 57 min
